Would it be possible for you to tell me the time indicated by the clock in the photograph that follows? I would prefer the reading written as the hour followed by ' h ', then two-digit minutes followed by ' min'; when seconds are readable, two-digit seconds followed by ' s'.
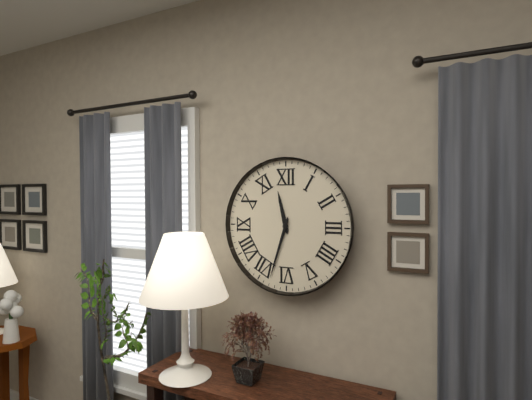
11 h 33 min
